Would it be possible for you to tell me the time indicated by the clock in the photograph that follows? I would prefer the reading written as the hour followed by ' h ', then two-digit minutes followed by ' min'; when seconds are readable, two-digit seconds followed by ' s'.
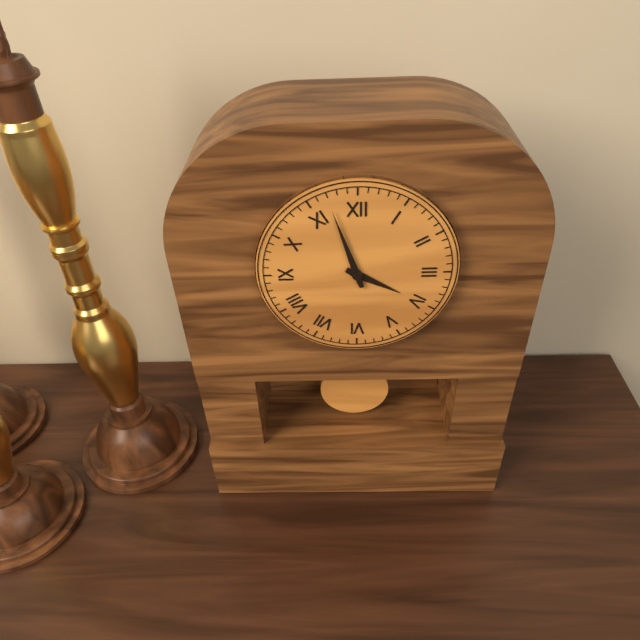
3 h 57 min
